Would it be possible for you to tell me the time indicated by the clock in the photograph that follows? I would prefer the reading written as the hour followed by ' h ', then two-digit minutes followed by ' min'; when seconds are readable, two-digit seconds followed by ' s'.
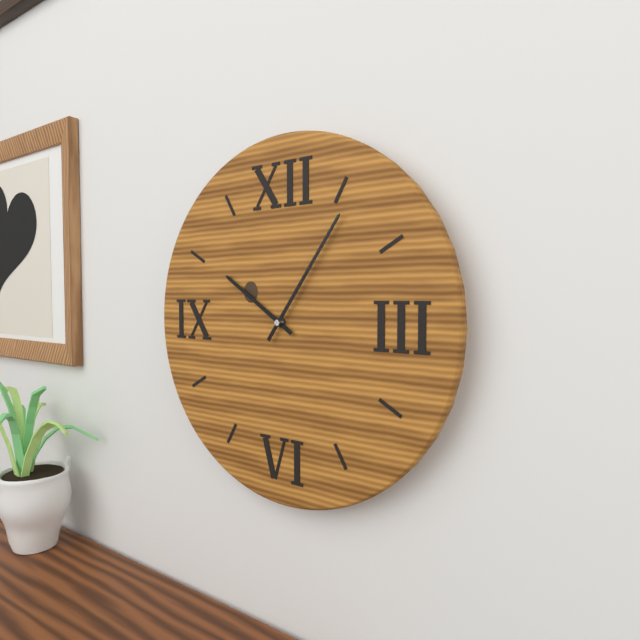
10 h 06 min
